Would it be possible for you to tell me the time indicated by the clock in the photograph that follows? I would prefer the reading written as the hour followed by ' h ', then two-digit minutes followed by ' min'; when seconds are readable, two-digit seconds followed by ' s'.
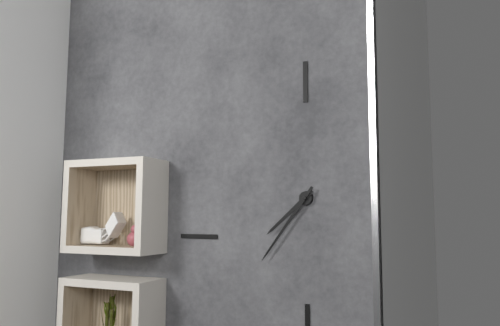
7 h 36 min
